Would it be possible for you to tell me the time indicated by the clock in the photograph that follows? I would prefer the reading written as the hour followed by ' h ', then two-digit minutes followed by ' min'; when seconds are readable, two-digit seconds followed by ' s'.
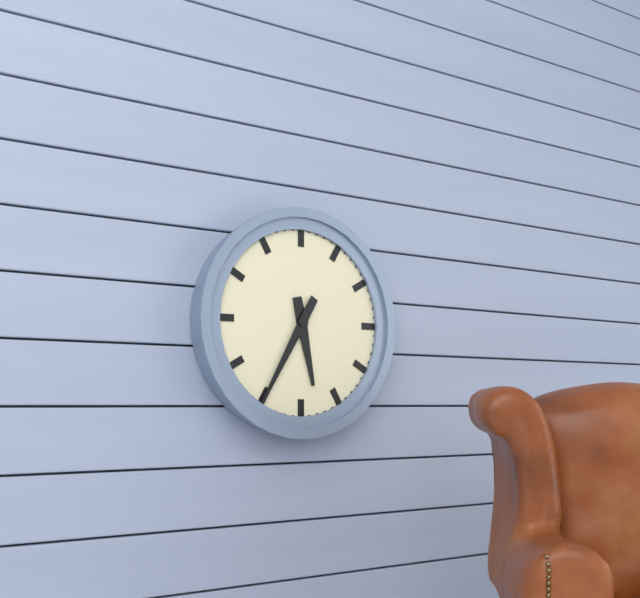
5 h 35 min
